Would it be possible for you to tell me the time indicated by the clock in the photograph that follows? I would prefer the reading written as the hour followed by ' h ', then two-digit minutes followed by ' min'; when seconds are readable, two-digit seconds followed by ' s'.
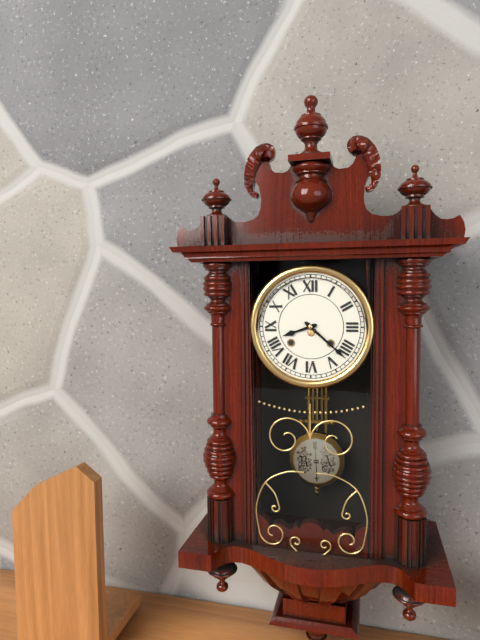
8 h 22 min
